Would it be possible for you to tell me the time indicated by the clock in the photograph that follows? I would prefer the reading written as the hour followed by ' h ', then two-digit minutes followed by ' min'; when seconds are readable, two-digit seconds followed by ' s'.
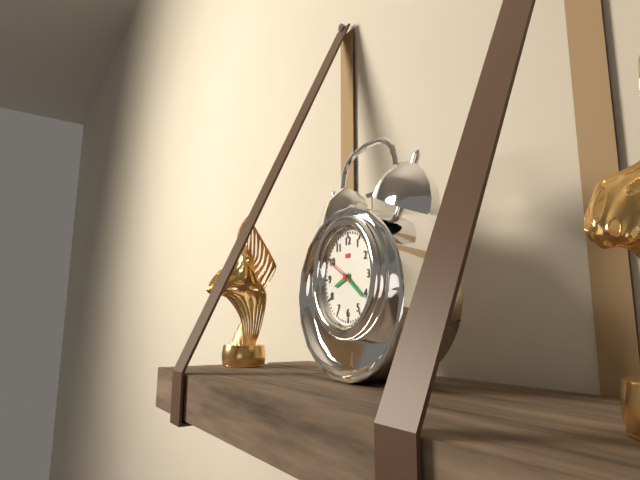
8 h 21 min
